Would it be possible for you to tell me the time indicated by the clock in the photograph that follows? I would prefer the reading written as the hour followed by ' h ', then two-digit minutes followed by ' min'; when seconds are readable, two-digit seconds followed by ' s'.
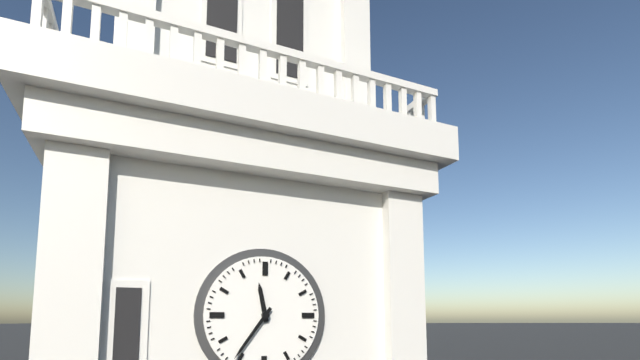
11 h 36 min
